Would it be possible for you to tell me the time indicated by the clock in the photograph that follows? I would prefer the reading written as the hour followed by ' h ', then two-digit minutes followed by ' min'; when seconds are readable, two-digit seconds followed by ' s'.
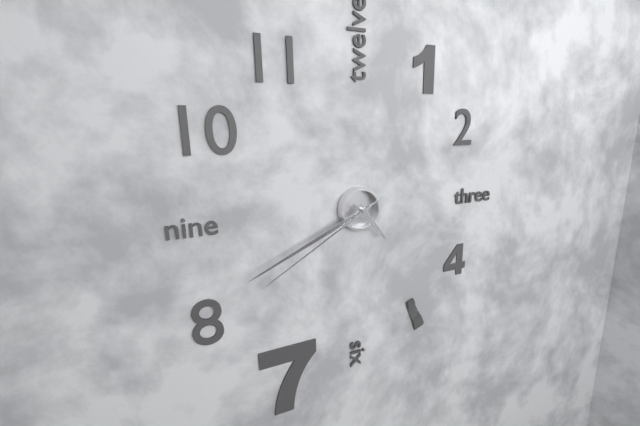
4 h 41 min 40 s
